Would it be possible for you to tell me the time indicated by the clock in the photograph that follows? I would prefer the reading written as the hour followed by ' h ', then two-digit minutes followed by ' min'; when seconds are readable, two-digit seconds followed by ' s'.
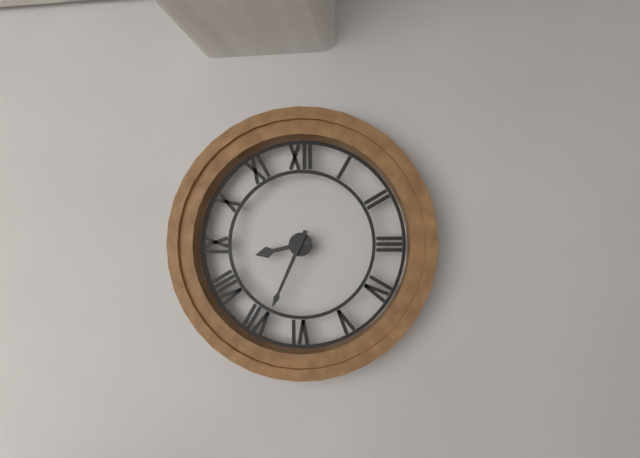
8 h 34 min
